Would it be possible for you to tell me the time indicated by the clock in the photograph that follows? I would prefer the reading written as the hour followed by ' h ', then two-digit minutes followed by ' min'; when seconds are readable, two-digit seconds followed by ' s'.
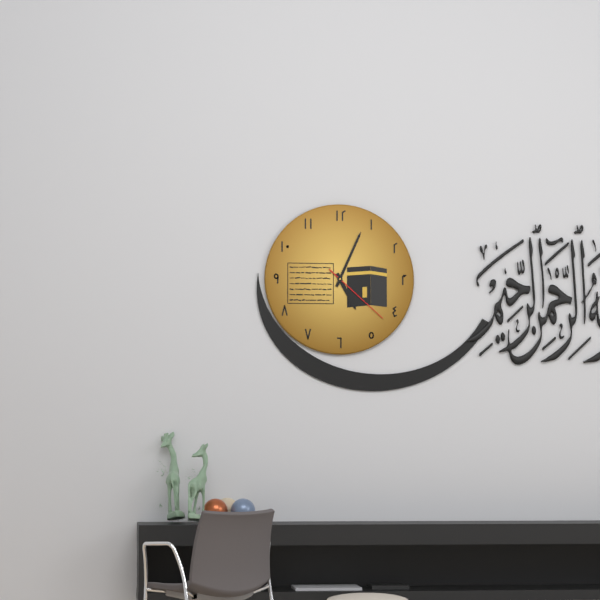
5 h 04 min 22 s
